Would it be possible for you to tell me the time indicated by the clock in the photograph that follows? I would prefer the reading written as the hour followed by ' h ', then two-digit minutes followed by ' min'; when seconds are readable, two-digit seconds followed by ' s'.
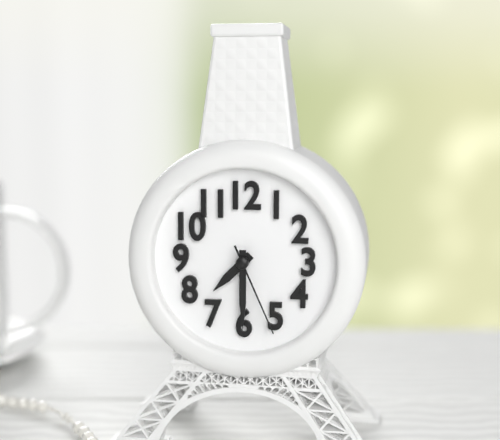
7 h 30 min 26 s
